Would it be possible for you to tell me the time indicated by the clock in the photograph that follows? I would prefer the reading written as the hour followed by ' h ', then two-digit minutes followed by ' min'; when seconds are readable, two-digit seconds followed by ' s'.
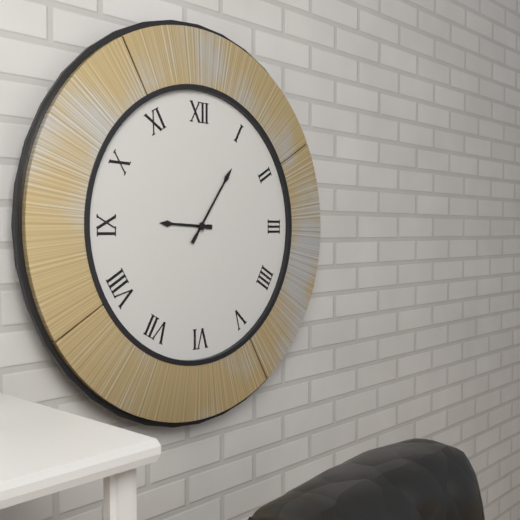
9 h 06 min
